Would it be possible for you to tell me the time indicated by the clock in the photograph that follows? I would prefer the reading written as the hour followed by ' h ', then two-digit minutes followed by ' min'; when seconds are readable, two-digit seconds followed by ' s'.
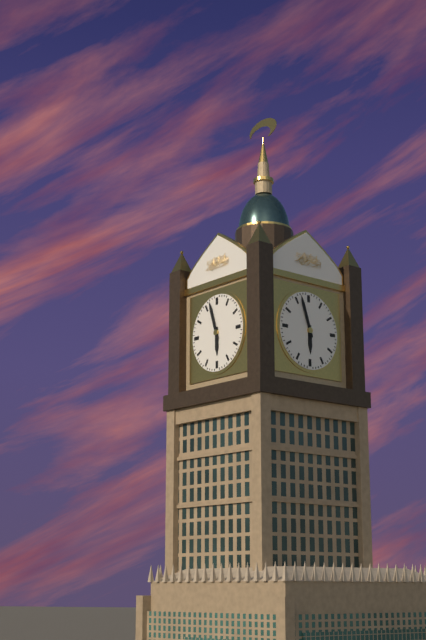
5 h 57 min
